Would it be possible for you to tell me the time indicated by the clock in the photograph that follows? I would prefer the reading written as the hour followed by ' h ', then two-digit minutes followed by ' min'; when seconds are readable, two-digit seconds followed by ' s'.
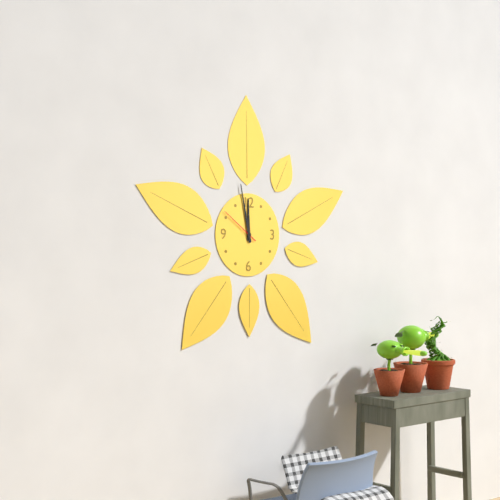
11 h 58 min
